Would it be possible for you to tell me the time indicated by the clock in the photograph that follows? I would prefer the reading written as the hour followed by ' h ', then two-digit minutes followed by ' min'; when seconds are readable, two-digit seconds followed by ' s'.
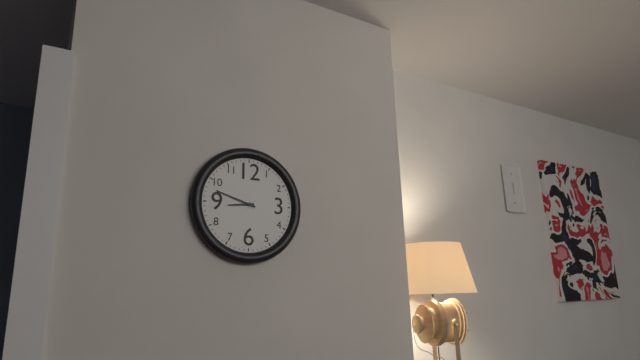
8 h 48 min
